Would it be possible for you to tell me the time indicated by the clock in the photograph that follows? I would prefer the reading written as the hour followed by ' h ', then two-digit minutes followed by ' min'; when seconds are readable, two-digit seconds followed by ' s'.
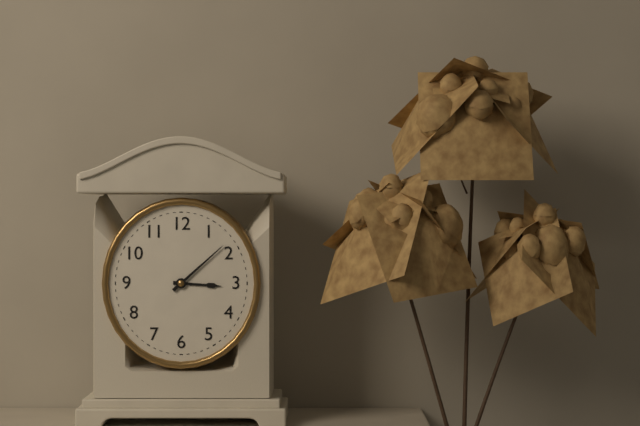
3 h 08 min
